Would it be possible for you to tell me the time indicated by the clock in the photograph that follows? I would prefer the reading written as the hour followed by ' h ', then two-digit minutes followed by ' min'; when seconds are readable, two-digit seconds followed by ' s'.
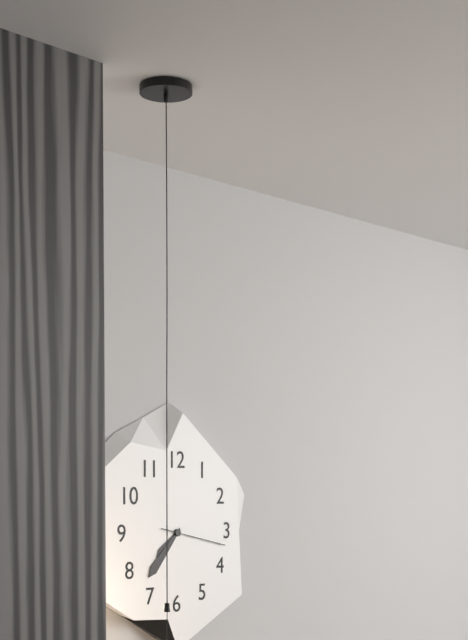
7 h 37 min 17 s
